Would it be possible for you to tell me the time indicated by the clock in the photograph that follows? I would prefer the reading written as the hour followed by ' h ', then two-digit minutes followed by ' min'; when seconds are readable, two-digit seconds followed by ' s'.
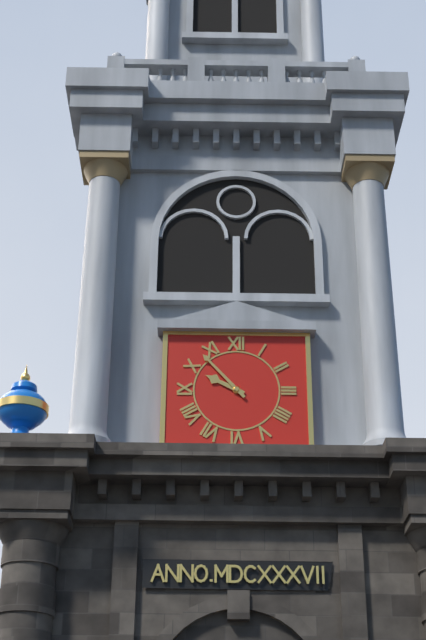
9 h 53 min
